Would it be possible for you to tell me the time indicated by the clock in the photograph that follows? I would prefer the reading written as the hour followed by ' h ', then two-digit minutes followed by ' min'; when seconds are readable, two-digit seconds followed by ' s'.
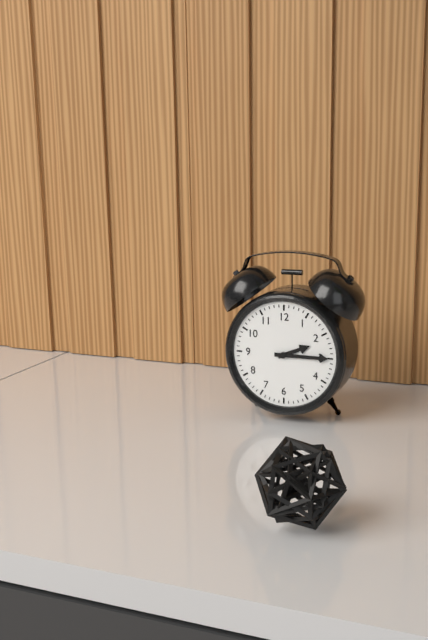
2 h 15 min
